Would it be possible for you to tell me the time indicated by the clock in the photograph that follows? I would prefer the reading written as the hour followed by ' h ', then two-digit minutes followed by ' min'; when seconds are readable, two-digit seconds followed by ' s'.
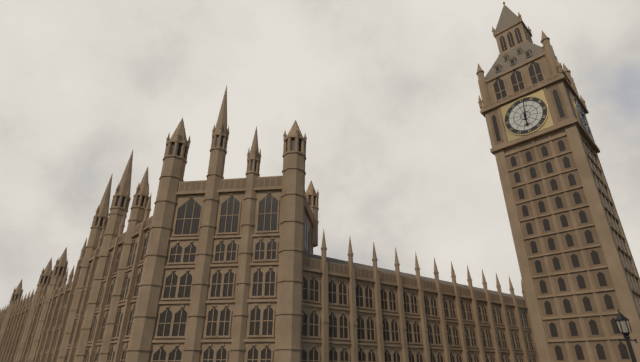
6 h 01 min
